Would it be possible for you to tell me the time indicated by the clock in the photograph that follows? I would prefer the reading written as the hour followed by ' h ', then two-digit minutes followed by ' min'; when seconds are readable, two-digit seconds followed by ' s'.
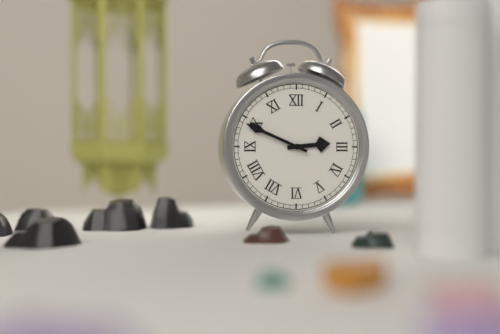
2 h 49 min
